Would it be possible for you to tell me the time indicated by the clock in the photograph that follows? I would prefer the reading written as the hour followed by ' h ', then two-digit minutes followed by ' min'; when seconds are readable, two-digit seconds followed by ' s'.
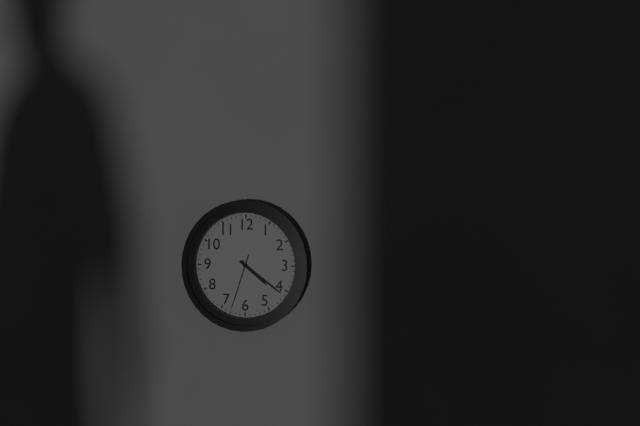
4 h 21 min 33 s
